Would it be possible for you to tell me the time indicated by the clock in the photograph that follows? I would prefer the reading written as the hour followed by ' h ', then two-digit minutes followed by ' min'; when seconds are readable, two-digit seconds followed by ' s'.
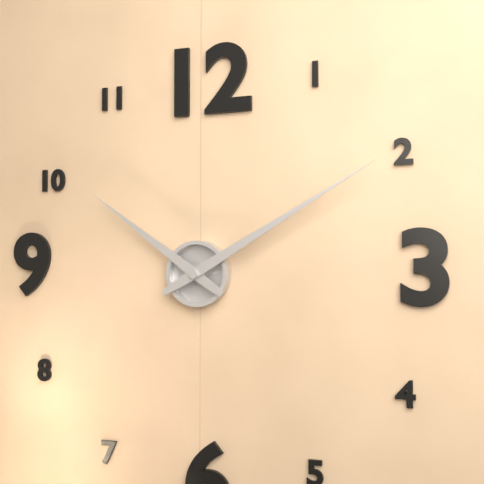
10 h 10 min
